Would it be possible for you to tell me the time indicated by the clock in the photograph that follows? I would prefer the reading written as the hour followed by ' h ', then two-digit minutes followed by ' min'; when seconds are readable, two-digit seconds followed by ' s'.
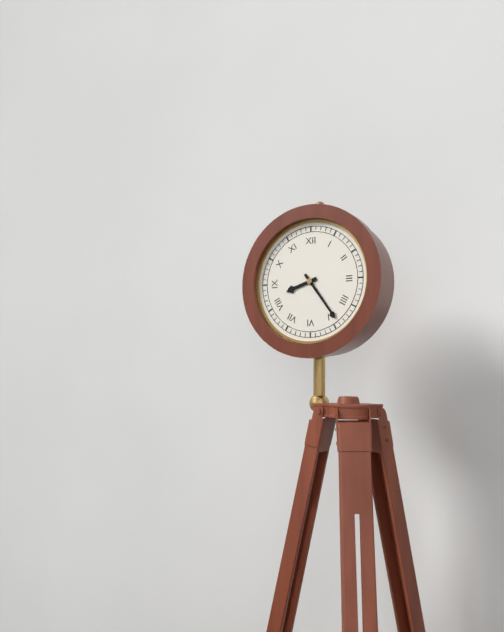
8 h 24 min
